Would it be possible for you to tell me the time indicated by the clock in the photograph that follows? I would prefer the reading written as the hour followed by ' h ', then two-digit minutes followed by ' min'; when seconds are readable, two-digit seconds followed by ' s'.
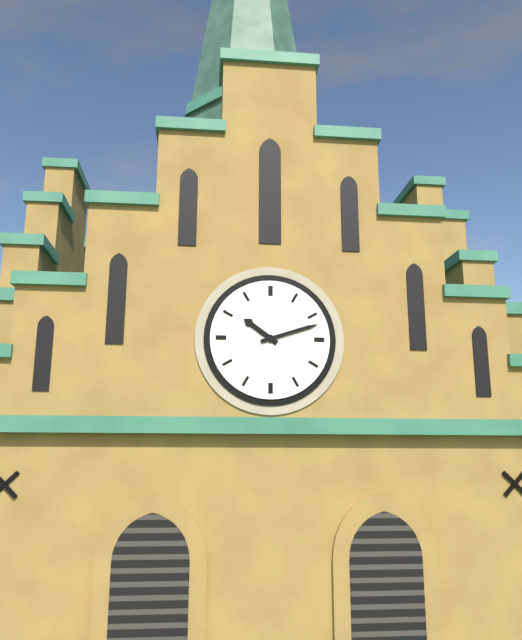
10 h 12 min
